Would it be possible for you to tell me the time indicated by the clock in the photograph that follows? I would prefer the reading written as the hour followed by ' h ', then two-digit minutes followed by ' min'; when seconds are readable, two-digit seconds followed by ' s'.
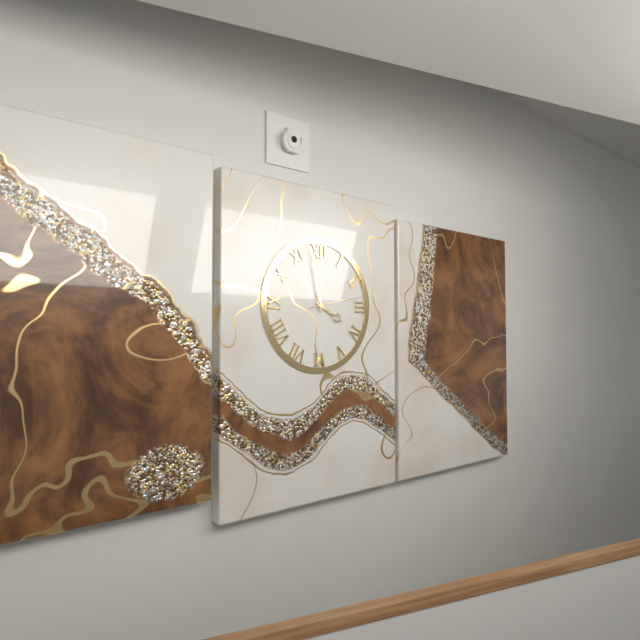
3 h 58 min 13 s
